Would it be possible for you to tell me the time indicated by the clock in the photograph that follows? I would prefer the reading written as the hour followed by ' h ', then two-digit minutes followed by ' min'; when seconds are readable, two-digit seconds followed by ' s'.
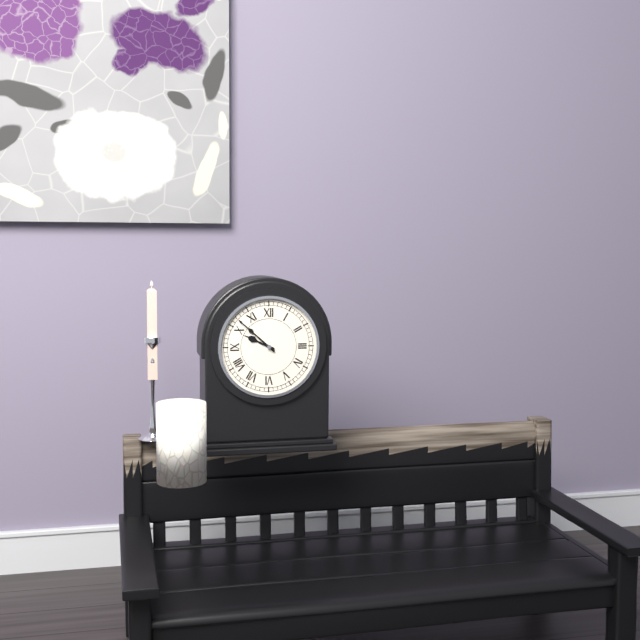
9 h 52 min
